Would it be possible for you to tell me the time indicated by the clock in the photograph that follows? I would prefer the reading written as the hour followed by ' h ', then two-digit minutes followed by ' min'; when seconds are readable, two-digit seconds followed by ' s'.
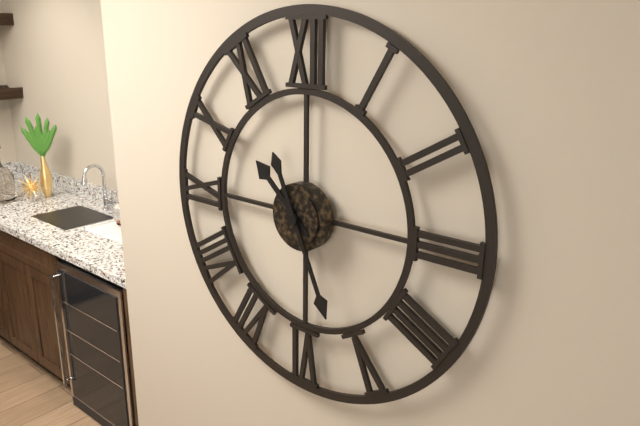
10 h 26 min
